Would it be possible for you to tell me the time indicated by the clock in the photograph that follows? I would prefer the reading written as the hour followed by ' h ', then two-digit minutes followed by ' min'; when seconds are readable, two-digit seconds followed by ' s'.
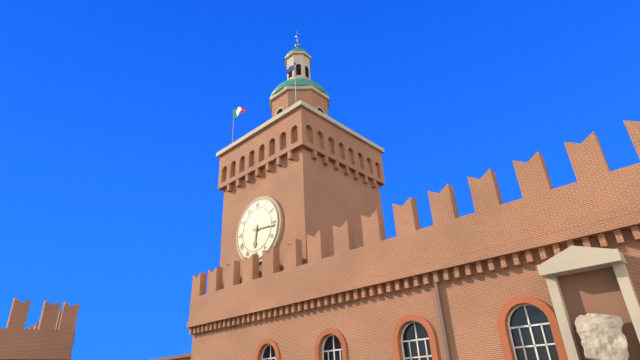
6 h 16 min
